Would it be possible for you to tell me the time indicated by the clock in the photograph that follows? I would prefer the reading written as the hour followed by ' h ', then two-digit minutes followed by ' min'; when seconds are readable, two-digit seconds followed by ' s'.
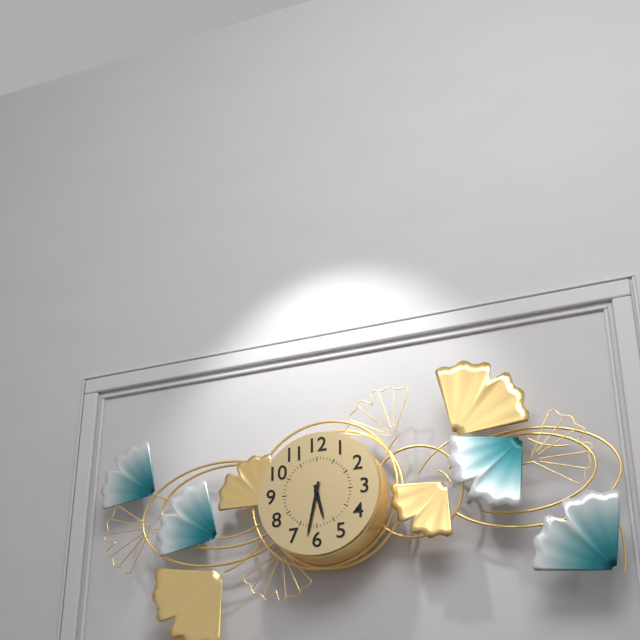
5 h 32 min
